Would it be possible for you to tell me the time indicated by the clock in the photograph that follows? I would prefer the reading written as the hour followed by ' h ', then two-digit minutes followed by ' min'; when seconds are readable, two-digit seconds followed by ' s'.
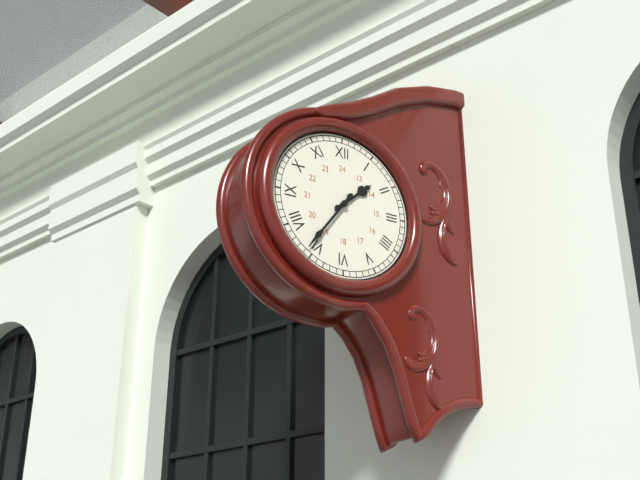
1 h 36 min
